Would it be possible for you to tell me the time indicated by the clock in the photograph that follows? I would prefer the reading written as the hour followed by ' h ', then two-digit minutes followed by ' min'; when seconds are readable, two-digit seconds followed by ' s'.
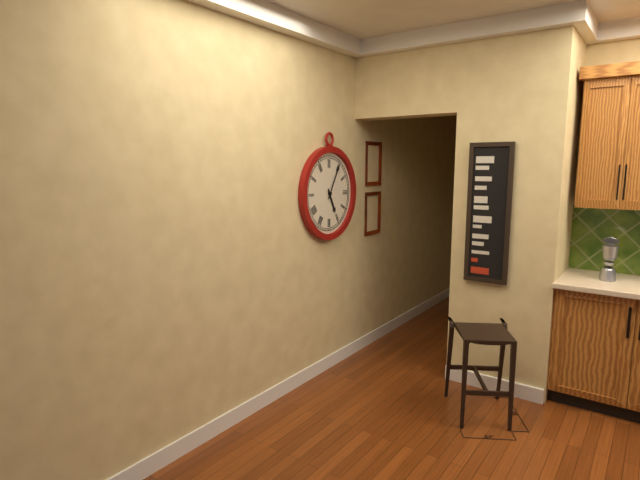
5 h 05 min
